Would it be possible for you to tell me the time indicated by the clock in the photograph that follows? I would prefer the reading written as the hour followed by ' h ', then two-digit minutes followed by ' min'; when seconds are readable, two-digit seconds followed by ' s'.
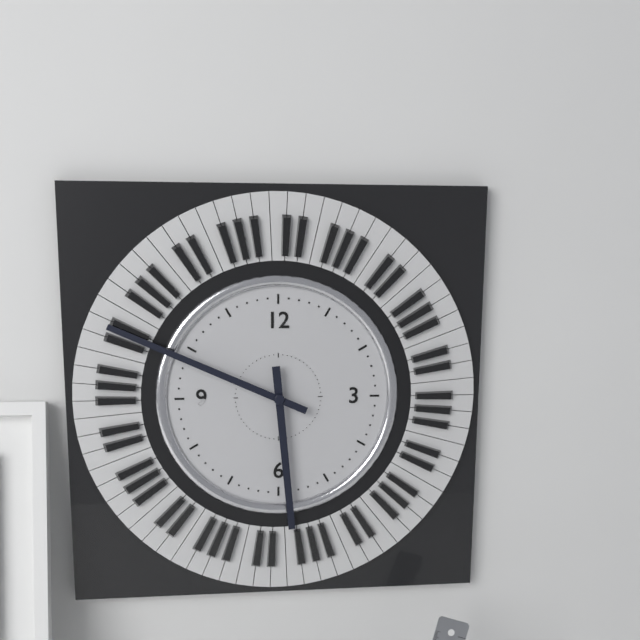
5 h 49 min
